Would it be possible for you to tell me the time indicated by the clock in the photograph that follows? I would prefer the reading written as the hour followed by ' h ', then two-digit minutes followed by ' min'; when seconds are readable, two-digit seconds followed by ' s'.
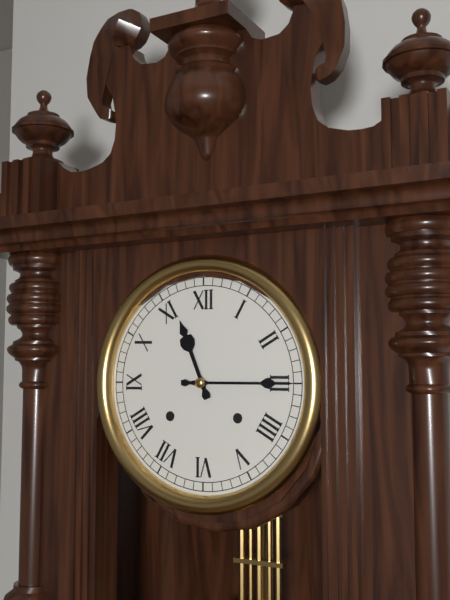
11 h 15 min
